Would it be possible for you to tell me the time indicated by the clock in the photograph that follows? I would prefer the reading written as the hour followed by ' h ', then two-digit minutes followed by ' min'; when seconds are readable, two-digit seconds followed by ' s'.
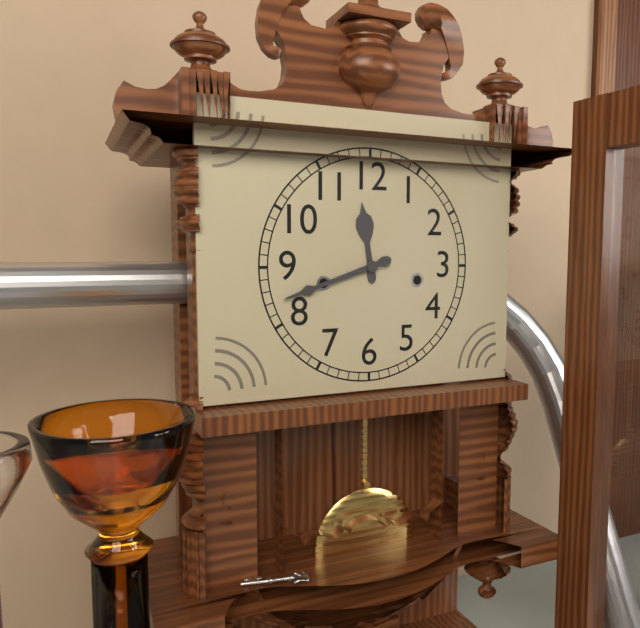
11 h 42 min
